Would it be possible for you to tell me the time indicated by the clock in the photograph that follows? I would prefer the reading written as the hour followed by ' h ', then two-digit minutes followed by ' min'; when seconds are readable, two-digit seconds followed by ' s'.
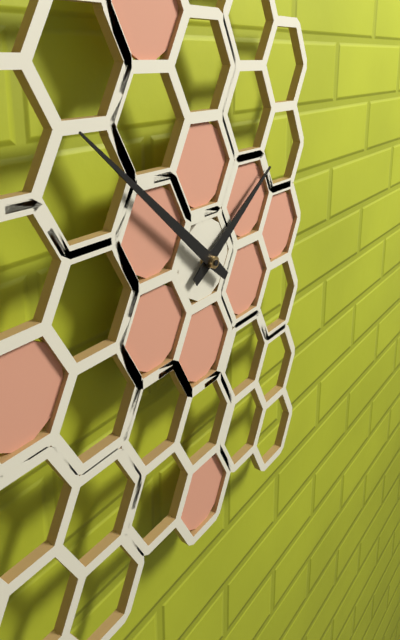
1 h 52 min
